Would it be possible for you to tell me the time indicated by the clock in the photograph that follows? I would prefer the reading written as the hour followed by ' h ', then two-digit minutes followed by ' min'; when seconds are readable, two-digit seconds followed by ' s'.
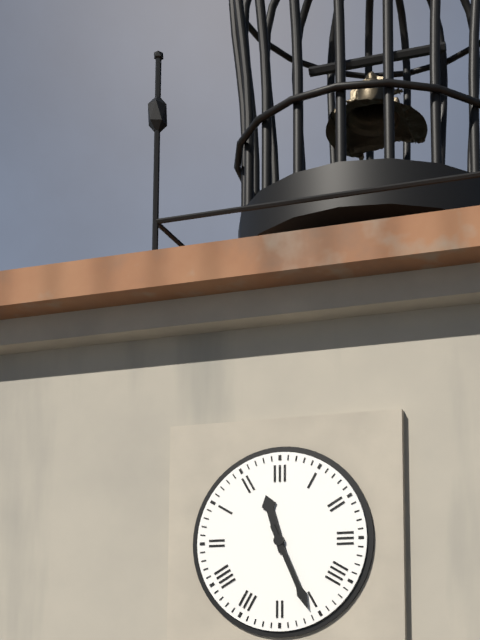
11 h 26 min
